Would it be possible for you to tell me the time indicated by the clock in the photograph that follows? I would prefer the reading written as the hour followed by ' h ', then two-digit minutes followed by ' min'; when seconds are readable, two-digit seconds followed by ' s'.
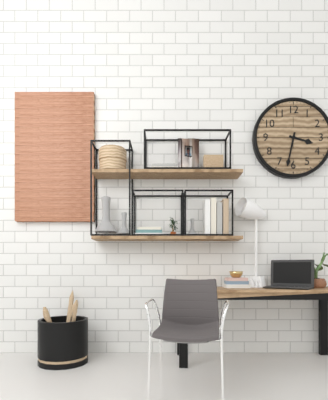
3 h 32 min
